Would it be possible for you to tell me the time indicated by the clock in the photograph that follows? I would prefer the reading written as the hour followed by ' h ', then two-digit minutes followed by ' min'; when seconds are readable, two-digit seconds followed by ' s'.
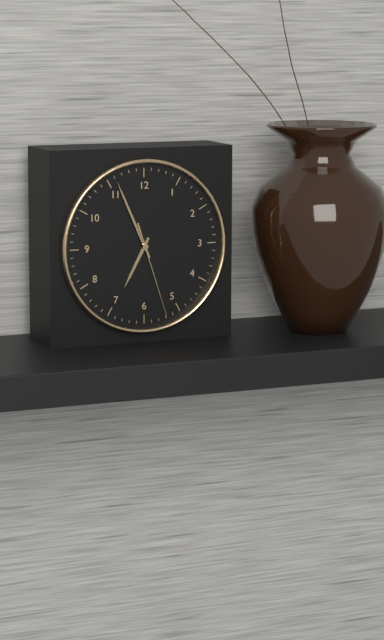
6 h 56 min 27 s
